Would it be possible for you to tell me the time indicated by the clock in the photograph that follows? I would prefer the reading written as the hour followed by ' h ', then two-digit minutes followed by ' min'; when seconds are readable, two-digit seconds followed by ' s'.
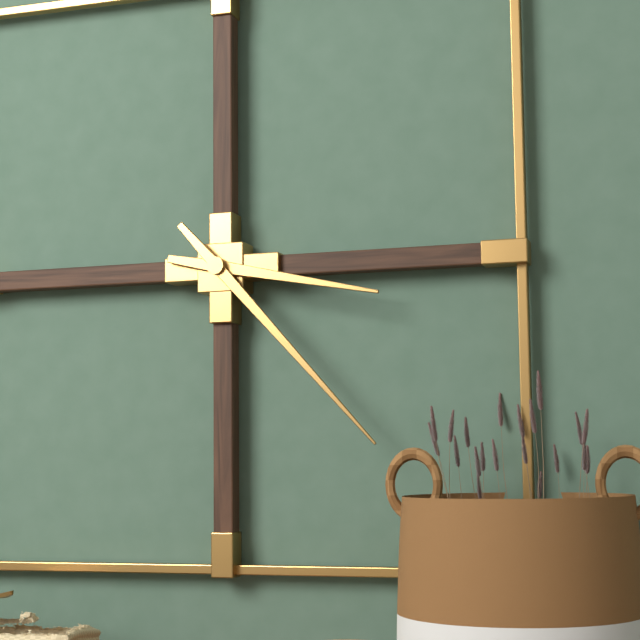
3 h 23 min
